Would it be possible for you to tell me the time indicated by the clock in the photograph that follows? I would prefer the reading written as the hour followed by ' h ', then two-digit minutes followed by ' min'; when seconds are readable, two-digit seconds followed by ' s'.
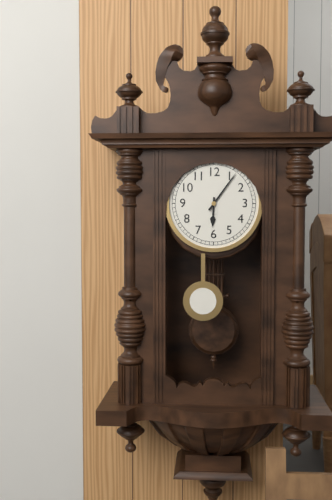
6 h 06 min
